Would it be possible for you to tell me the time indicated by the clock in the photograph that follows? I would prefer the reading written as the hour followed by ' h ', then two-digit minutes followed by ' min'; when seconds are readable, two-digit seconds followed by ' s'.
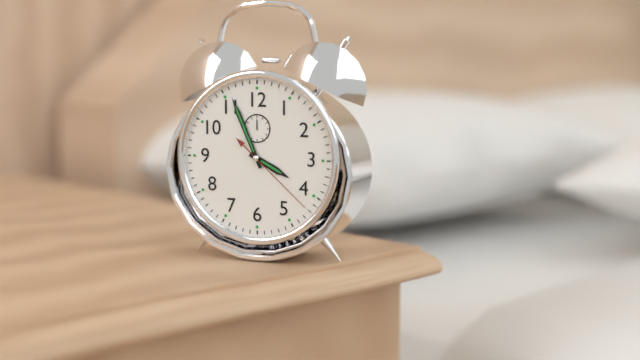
3 h 56 min 22 s
